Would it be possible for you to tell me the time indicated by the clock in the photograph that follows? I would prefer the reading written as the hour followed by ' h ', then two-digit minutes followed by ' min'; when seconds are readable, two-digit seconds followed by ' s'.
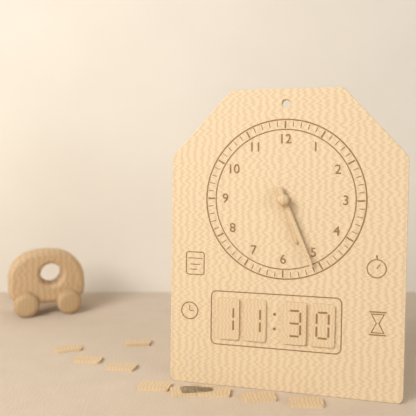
5 h 26 min
